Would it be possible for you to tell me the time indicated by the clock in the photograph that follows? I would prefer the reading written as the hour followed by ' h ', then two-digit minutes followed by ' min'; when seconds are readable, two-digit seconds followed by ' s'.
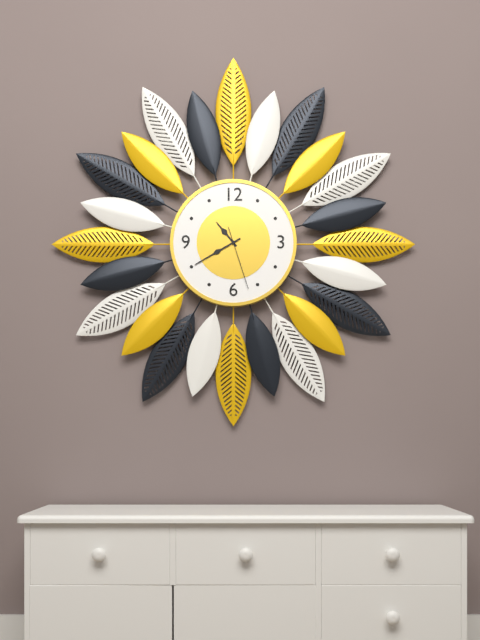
10 h 40 min 27 s
